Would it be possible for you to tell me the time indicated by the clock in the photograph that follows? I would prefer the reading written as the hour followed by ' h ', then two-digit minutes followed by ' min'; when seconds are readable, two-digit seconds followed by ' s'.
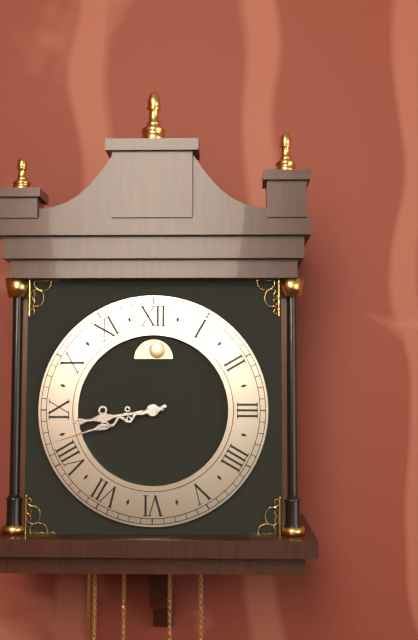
8 h 42 min
